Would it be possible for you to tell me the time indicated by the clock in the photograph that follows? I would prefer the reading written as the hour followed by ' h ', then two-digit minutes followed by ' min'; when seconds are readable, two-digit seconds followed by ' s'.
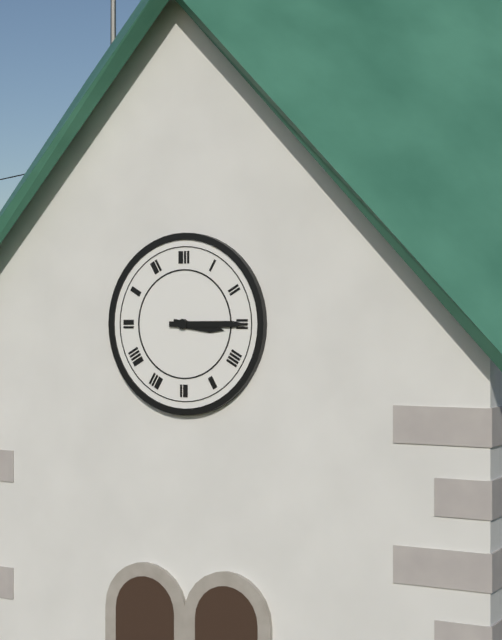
3 h 15 min
